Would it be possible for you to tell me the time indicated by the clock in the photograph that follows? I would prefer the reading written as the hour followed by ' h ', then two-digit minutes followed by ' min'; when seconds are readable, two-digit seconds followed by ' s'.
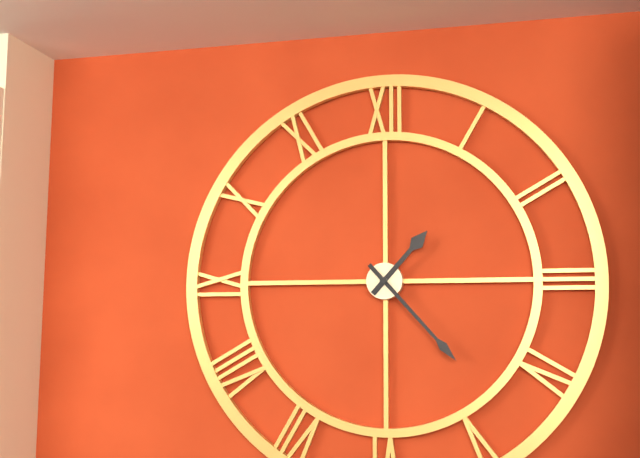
1 h 23 min
